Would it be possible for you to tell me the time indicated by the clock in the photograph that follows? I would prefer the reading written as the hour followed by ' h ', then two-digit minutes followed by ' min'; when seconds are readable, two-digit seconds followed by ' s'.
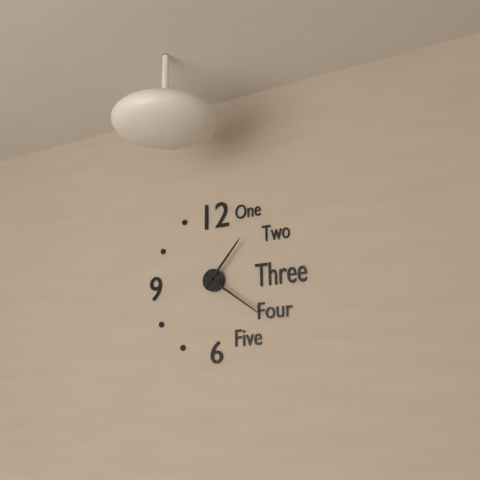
1 h 21 min
